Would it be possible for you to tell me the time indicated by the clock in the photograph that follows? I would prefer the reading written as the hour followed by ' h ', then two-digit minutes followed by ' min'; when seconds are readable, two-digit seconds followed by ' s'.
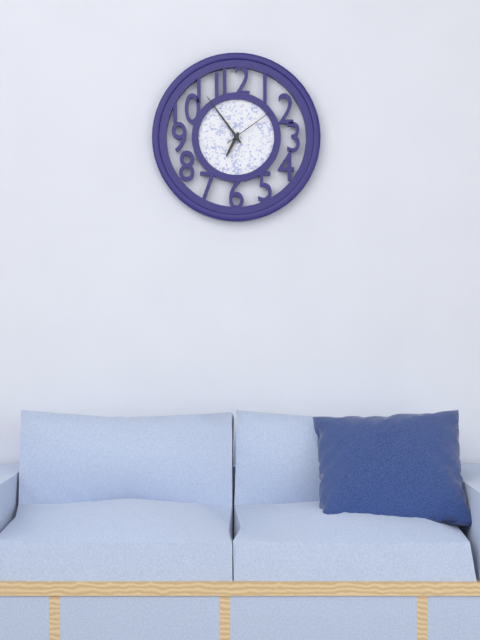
6 h 54 min 09 s
